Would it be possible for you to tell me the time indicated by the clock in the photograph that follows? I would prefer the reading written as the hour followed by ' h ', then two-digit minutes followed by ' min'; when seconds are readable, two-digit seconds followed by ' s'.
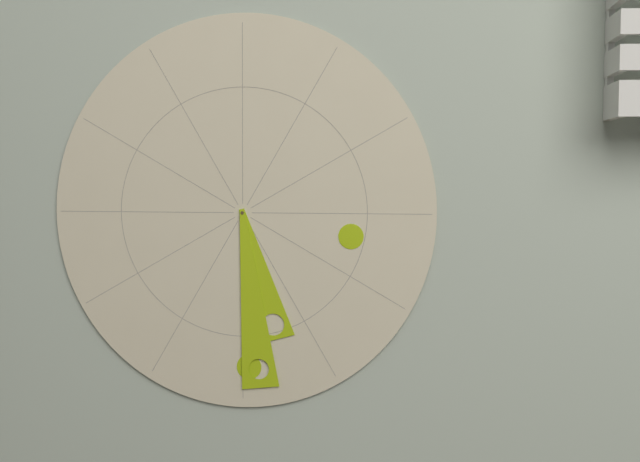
5 h 29 min
